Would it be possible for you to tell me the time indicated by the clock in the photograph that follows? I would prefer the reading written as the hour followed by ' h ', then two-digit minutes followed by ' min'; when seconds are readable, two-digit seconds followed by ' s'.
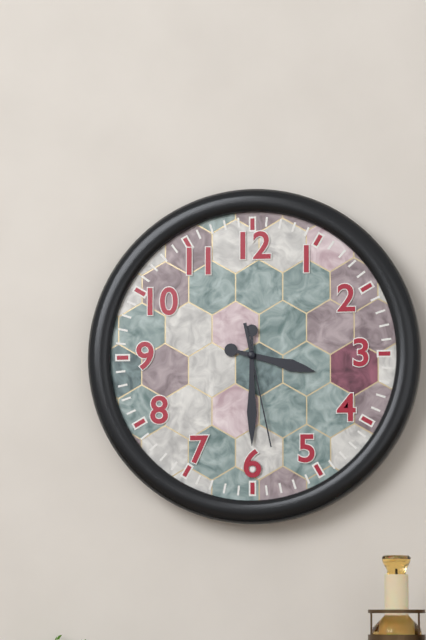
3 h 30 min 28 s
